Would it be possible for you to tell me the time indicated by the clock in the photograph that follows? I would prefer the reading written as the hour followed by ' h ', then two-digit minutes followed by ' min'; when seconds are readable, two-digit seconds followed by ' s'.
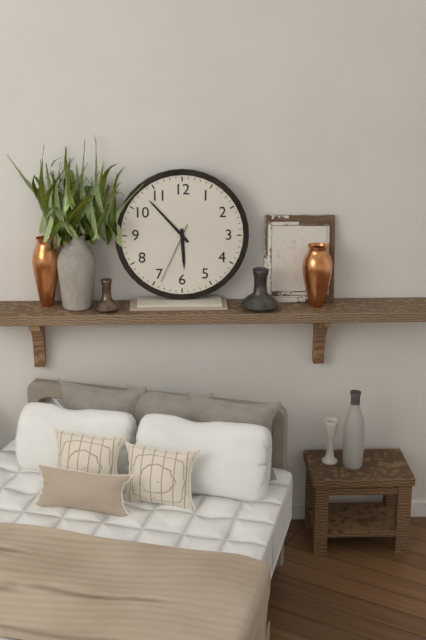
5 h 53 min 34 s
